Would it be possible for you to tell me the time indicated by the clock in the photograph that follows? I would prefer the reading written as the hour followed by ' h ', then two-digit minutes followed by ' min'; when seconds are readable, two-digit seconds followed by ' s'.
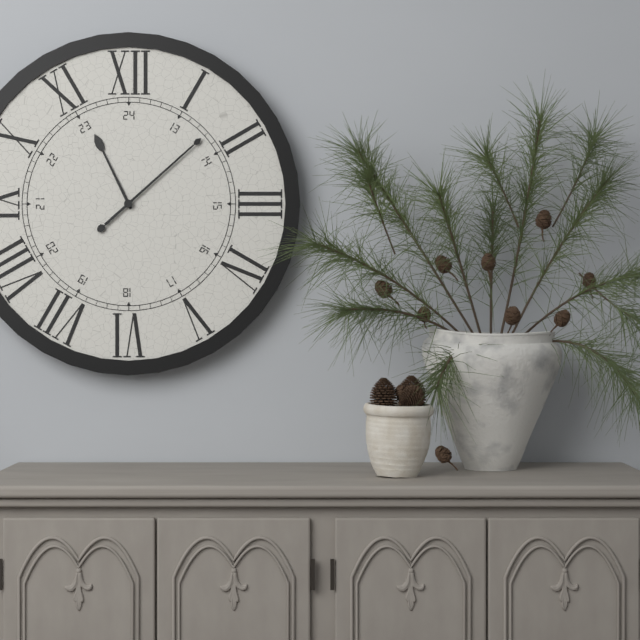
11 h 08 min
